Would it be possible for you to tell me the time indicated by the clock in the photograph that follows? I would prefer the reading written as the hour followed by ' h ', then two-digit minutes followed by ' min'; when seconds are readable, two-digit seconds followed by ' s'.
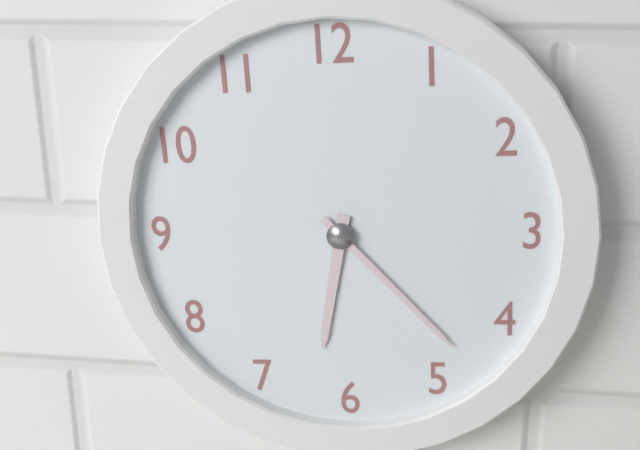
6 h 23 min
